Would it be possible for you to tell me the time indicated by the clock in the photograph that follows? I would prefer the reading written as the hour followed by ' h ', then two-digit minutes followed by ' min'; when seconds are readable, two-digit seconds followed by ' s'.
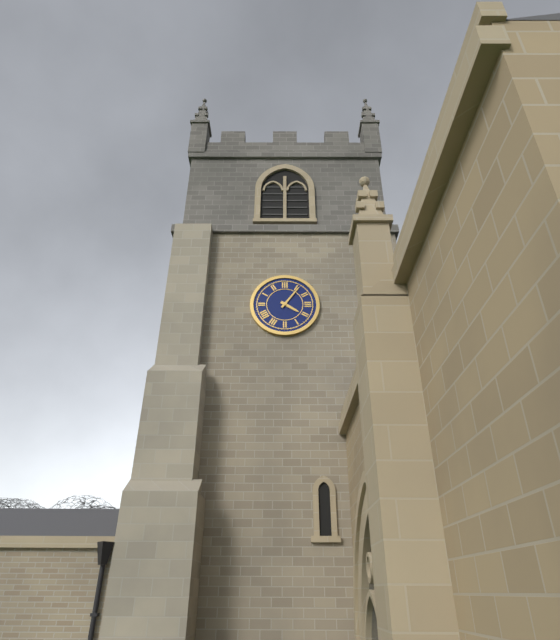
4 h 06 min
